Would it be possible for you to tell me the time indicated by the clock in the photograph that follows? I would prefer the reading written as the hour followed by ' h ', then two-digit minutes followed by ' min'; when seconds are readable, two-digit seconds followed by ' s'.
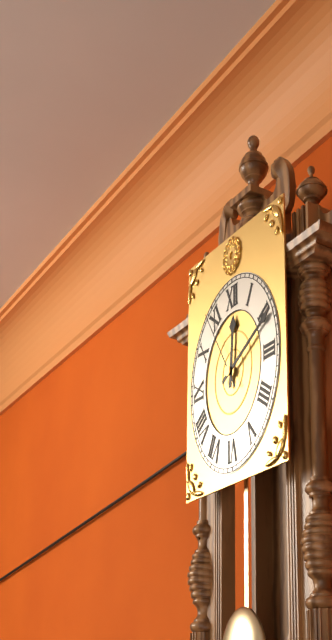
12 h 11 min 54 s
